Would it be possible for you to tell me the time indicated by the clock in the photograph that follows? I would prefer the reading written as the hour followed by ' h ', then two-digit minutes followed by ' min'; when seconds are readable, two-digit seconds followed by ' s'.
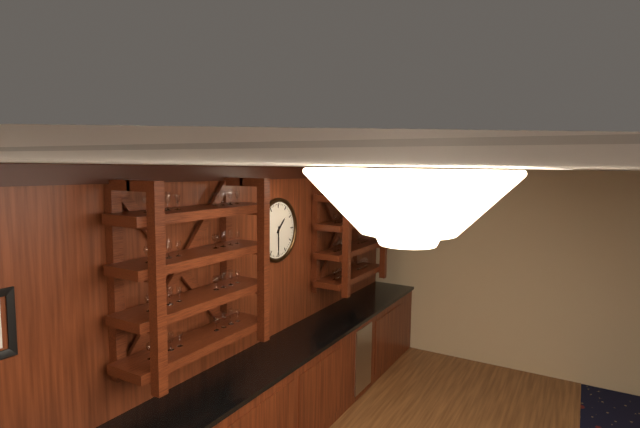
1 h 30 min
